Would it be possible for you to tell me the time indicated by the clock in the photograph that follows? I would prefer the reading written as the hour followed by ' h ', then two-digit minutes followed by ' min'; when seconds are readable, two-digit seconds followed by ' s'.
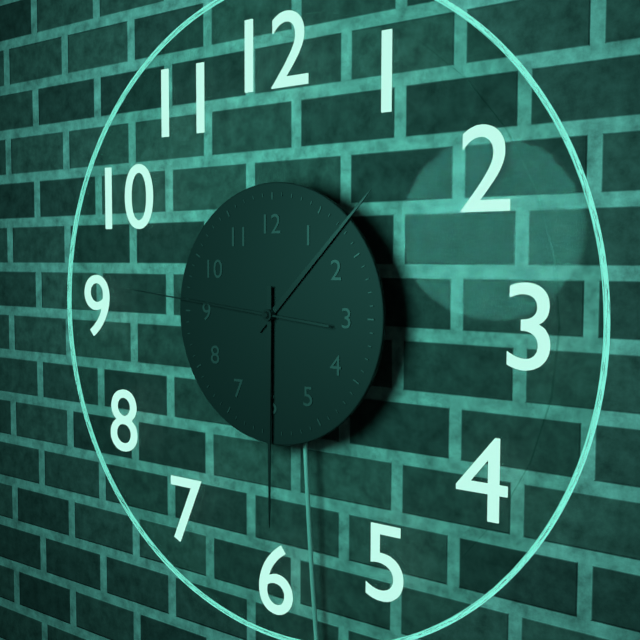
1 h 30 min 46 s
